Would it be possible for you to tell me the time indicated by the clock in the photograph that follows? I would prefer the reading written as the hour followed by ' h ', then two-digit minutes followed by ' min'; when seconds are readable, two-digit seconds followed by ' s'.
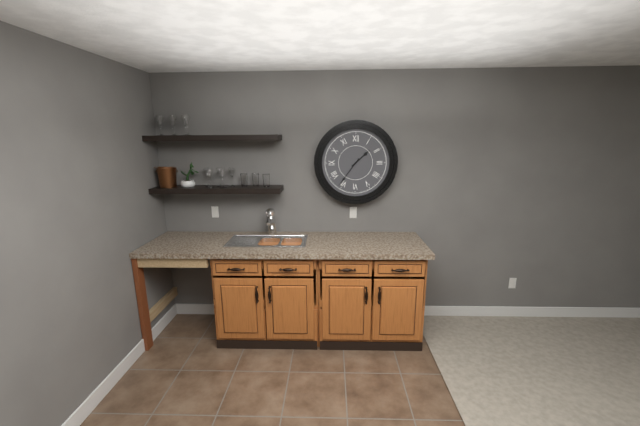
1 h 36 min
